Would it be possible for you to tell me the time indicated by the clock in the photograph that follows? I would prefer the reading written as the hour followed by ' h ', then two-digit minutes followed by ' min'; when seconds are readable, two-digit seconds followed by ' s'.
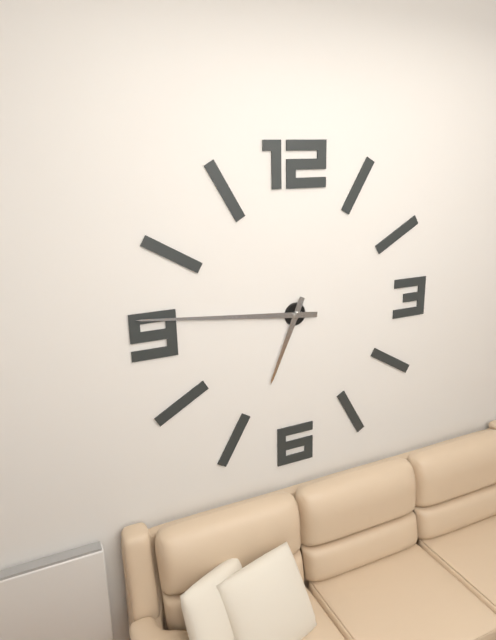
6 h 46 min
